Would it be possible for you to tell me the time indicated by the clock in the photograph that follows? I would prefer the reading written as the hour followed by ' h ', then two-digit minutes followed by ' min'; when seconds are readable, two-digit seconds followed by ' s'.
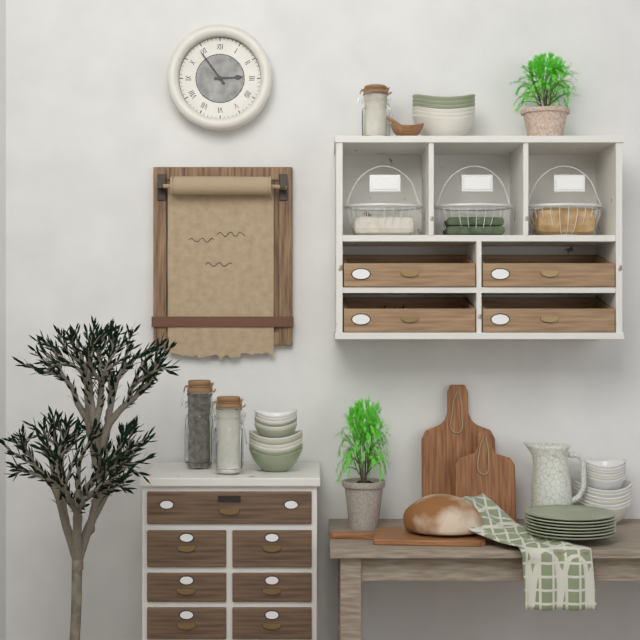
2 h 54 min
